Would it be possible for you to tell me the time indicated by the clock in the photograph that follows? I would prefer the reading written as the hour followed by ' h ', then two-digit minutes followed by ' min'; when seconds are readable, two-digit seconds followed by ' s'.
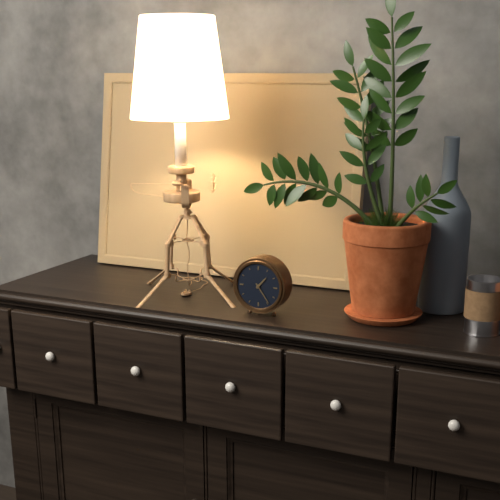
1 h 24 min
